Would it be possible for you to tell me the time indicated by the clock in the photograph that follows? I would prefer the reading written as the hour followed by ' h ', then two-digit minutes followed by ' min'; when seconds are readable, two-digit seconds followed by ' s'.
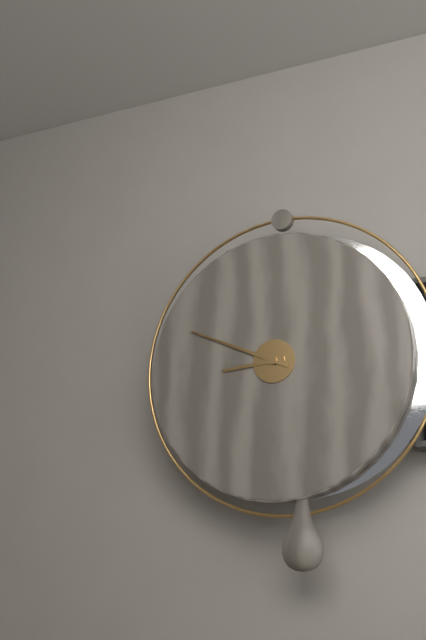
8 h 49 min
